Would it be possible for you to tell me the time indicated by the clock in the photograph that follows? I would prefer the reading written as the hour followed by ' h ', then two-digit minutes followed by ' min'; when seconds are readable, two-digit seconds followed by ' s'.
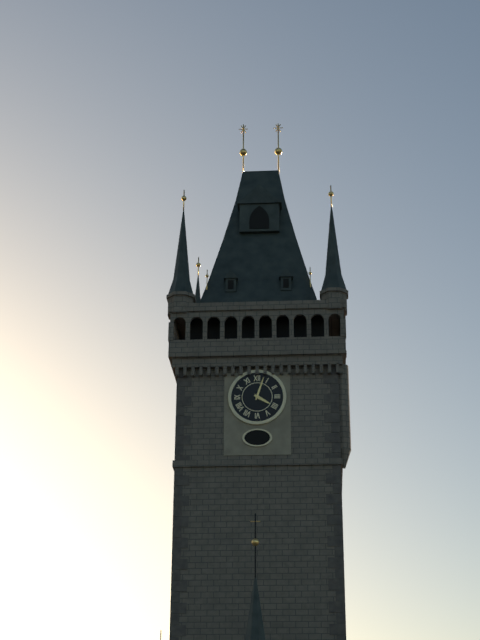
4 h 03 min
